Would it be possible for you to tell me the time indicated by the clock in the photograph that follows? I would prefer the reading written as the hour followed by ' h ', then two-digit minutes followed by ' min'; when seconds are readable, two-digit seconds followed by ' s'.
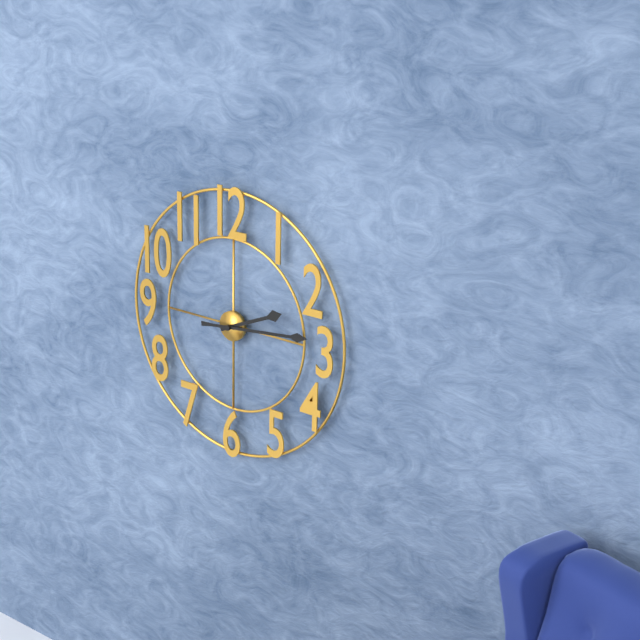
2 h 14 min
